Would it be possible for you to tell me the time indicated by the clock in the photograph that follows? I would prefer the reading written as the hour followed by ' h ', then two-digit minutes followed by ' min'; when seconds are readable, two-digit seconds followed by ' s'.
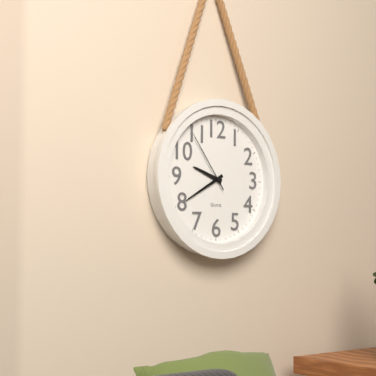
9 h 40 min 54 s
